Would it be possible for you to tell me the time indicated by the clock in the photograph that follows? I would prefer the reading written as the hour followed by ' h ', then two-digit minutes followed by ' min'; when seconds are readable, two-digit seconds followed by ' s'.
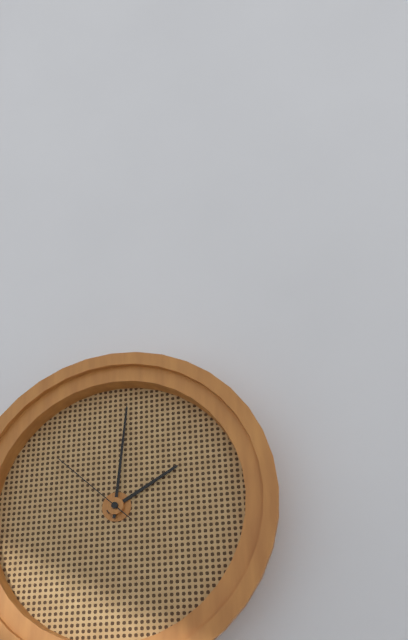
2 h 01 min 52 s
